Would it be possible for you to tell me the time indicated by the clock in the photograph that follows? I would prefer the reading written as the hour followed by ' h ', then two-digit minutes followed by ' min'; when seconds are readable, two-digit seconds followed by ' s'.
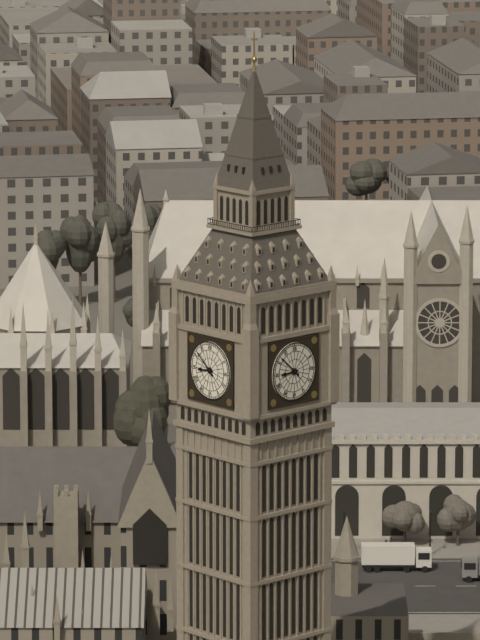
8 h 52 min
